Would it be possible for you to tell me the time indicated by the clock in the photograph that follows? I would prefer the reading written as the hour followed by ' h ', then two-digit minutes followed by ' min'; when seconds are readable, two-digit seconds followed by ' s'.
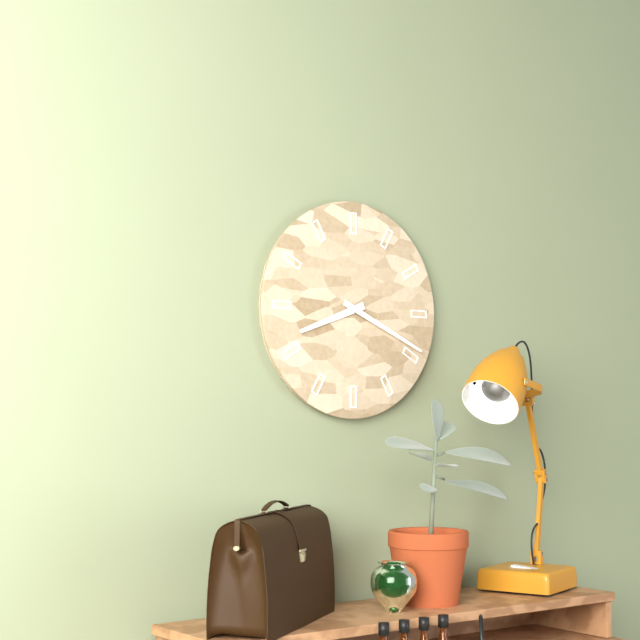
8 h 19 min
